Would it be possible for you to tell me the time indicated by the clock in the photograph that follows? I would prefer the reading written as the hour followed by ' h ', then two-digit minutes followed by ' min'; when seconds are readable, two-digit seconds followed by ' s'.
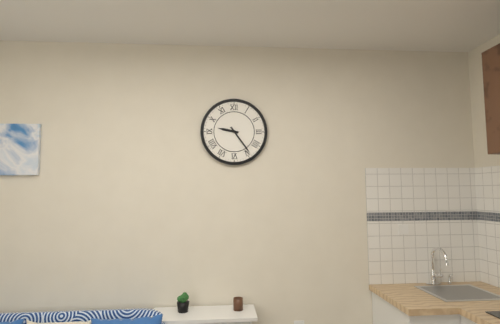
9 h 24 min
